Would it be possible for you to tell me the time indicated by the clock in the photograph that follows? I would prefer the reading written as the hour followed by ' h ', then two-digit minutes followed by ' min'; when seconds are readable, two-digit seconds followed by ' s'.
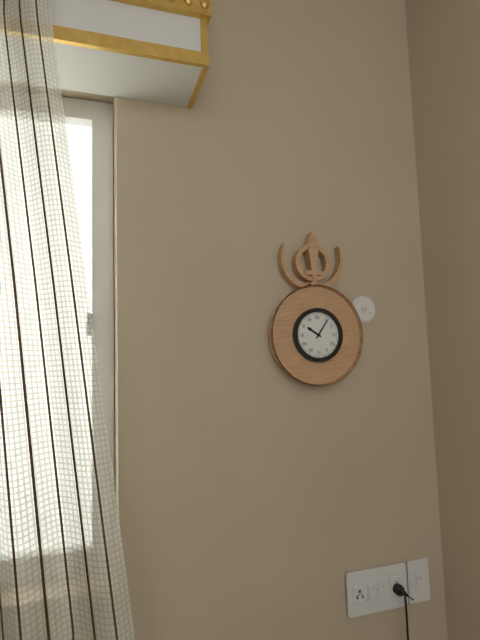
10 h 06 min
